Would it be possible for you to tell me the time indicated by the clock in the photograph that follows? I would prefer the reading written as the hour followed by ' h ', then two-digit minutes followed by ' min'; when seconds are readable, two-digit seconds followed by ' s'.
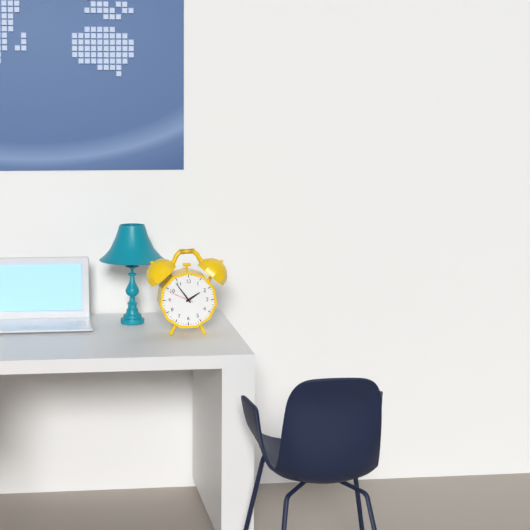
1 h 54 min
